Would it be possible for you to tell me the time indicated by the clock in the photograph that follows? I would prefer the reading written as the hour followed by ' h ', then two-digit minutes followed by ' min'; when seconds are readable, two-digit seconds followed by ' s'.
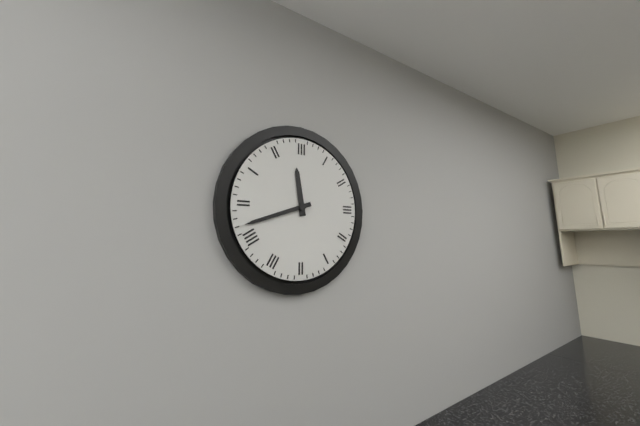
11 h 42 min
